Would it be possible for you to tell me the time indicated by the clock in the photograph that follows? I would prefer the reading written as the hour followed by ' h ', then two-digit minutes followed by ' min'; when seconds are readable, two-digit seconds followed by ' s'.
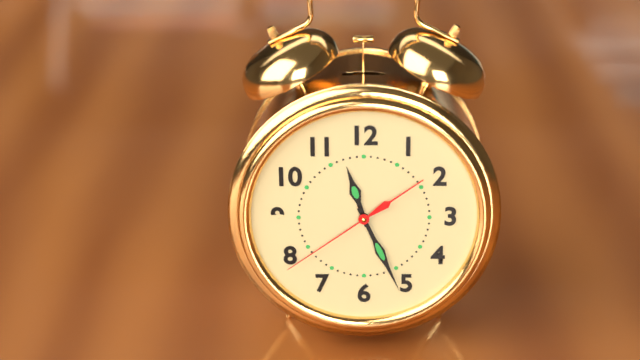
11 h 26 min 39 s
